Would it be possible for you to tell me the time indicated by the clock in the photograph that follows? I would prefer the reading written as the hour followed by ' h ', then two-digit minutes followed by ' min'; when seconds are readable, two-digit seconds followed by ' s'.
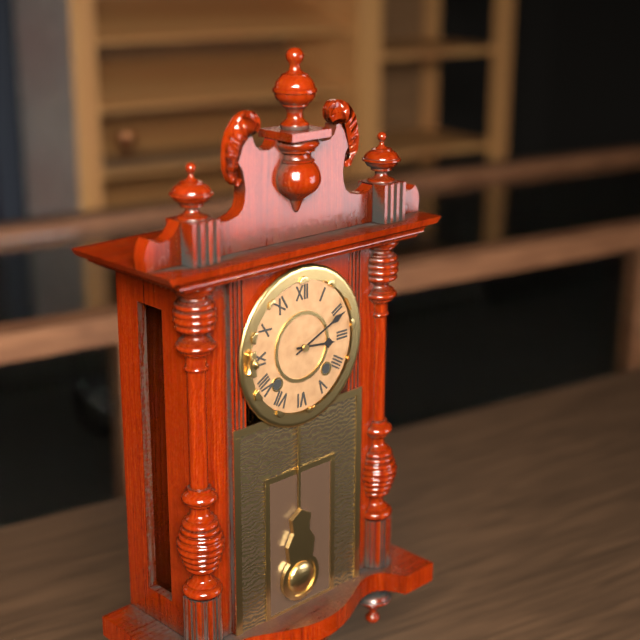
3 h 11 min
